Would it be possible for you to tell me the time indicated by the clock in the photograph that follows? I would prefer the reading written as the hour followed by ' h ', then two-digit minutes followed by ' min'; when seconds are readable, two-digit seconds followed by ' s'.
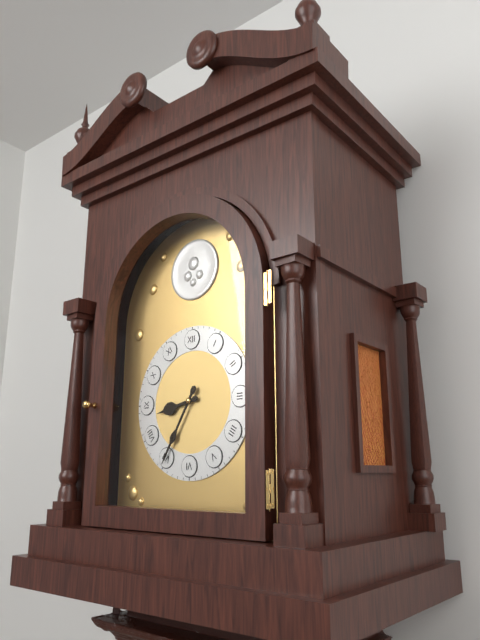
8 h 35 min
